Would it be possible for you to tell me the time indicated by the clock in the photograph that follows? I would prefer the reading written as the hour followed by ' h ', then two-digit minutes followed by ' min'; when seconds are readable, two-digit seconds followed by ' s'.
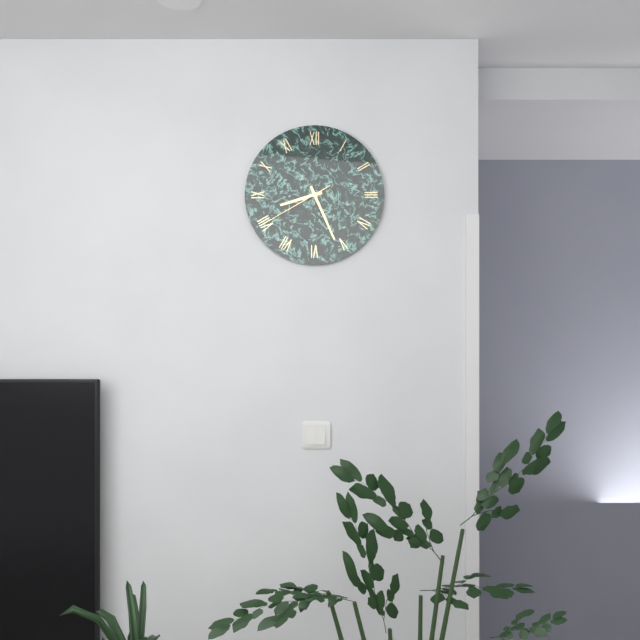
8 h 26 min 40 s
